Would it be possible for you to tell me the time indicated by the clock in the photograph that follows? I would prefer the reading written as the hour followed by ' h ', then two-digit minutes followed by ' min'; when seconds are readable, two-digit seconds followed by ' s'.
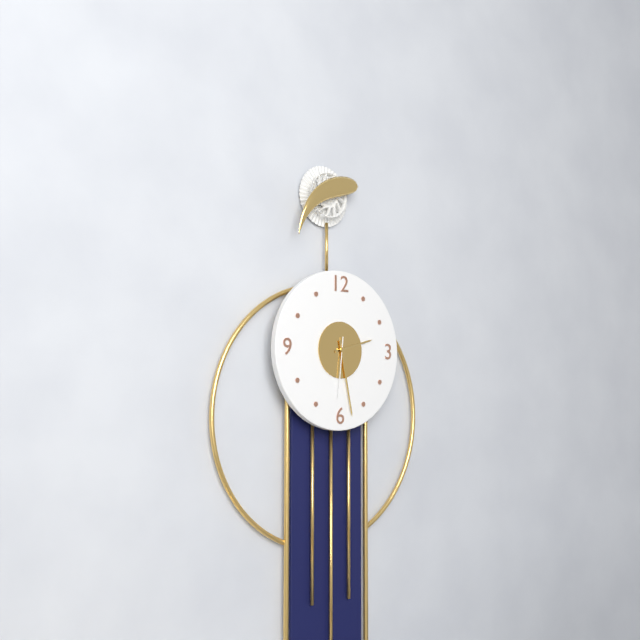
2 h 28 min 31 s
